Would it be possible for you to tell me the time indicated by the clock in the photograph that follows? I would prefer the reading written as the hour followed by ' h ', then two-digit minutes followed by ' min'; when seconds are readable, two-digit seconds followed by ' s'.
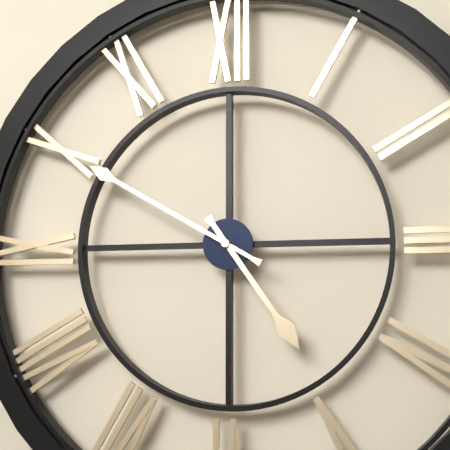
4 h 50 min
